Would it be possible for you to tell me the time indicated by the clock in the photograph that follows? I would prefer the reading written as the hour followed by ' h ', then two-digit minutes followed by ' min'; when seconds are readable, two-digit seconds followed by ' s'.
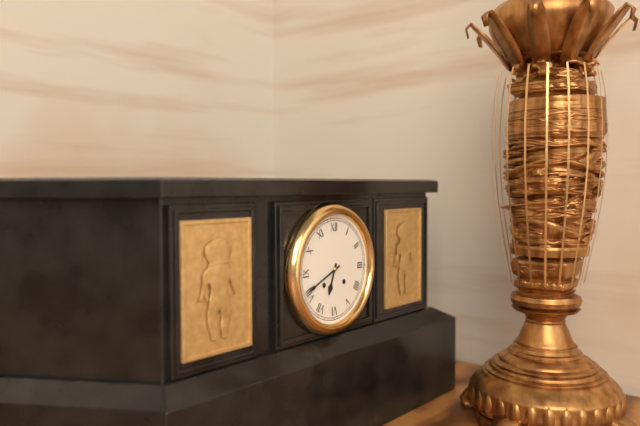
6 h 41 min
